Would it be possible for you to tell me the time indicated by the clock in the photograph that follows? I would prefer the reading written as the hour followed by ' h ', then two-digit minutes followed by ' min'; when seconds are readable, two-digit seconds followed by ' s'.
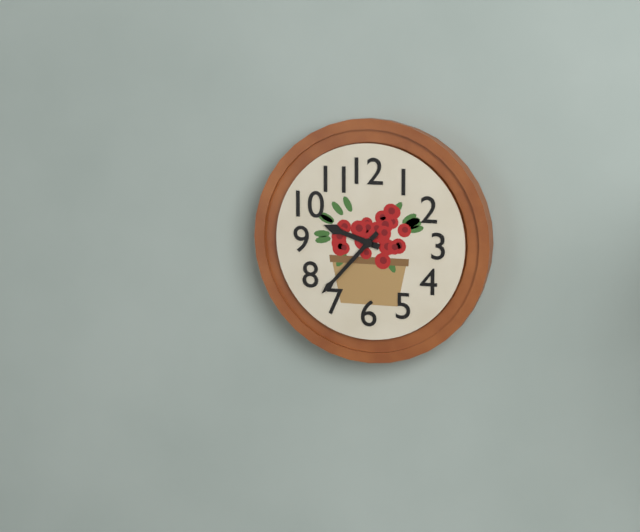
9 h 37 min
